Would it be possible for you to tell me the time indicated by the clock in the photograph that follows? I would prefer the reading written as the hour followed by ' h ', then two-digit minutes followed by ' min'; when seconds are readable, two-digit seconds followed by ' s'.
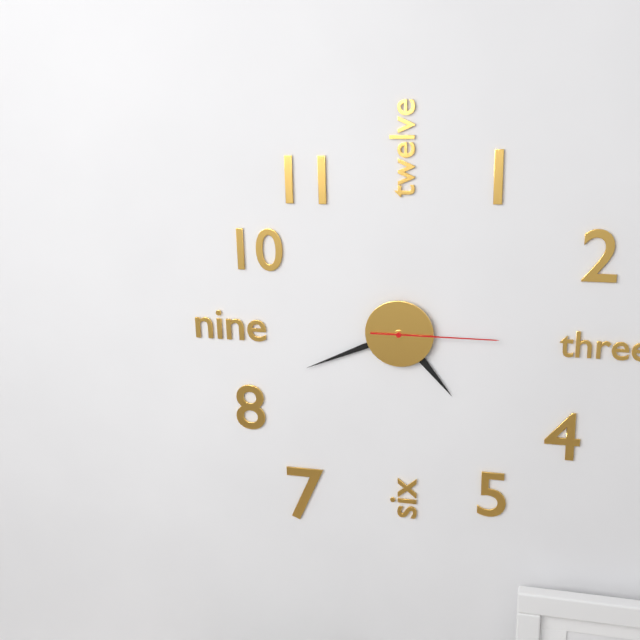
4 h 41 min 15 s
